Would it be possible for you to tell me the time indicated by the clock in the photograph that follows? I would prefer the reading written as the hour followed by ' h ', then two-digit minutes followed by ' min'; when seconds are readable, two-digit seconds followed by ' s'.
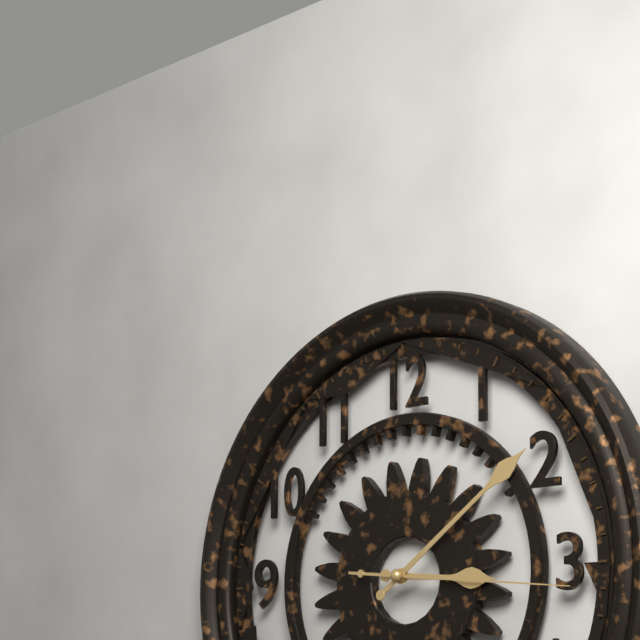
3 h 09 min 16 s
